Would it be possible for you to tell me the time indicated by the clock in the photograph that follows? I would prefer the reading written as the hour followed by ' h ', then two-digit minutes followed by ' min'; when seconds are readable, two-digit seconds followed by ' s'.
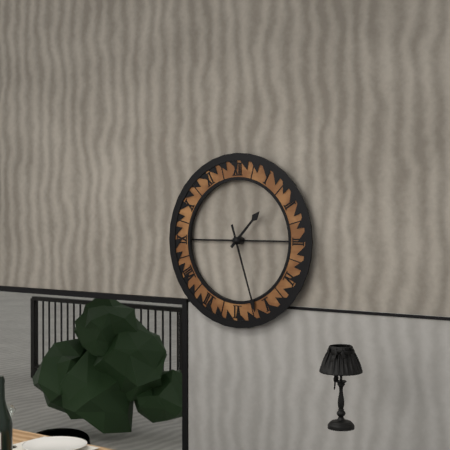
1 h 27 min
